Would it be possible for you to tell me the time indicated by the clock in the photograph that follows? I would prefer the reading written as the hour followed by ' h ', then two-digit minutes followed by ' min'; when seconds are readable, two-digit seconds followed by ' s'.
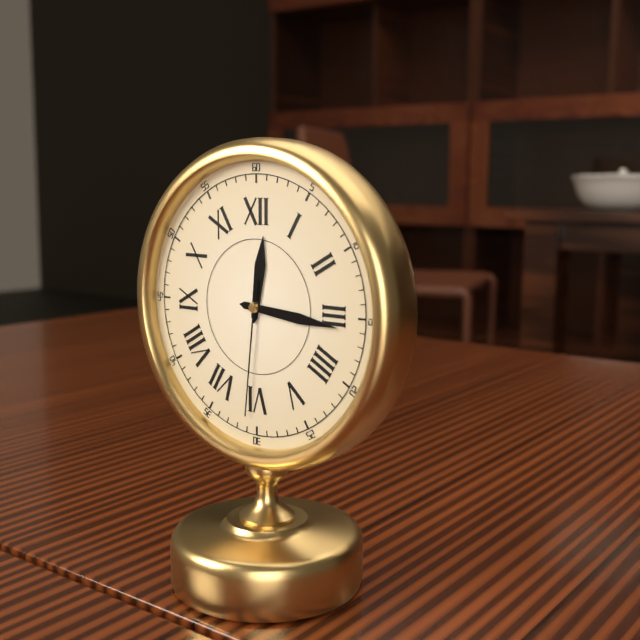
12 h 16 min 31 s
